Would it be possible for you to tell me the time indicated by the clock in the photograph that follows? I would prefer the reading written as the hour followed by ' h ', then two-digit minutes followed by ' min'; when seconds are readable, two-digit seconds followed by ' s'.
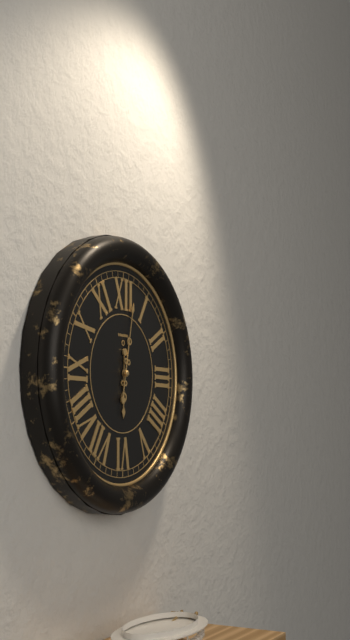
6 h 02 min
